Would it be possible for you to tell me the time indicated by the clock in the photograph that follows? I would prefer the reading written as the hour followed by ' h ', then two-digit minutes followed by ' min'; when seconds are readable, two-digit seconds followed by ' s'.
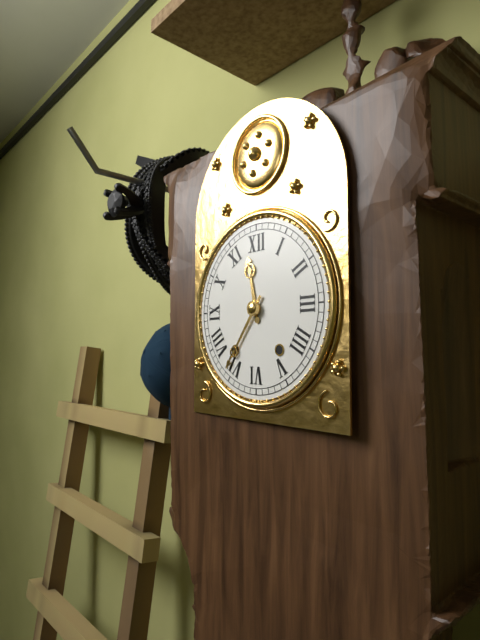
11 h 36 min
